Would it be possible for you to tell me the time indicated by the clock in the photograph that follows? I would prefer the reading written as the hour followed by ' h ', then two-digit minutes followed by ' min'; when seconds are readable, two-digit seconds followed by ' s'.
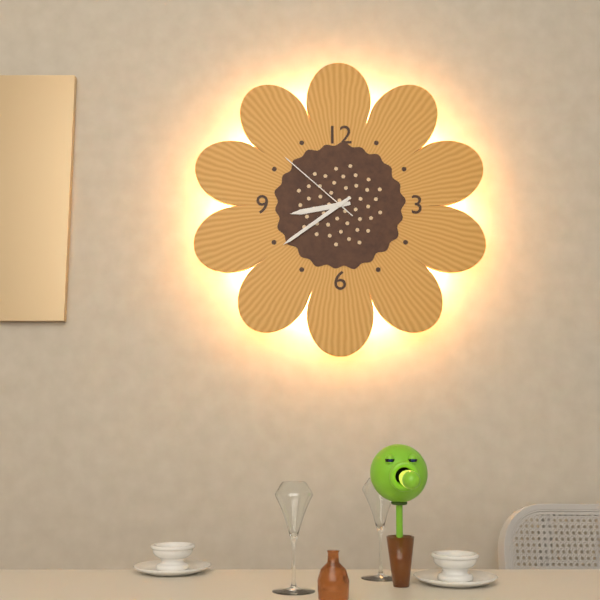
8 h 39 min 52 s
